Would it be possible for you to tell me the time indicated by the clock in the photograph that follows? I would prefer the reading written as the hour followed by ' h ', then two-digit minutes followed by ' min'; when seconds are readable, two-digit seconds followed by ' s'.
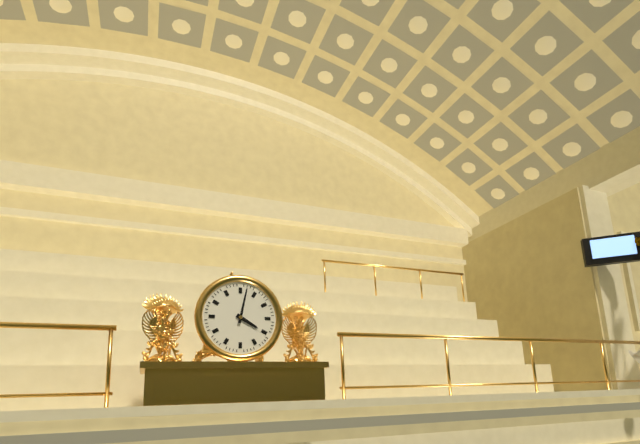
4 h 02 min
